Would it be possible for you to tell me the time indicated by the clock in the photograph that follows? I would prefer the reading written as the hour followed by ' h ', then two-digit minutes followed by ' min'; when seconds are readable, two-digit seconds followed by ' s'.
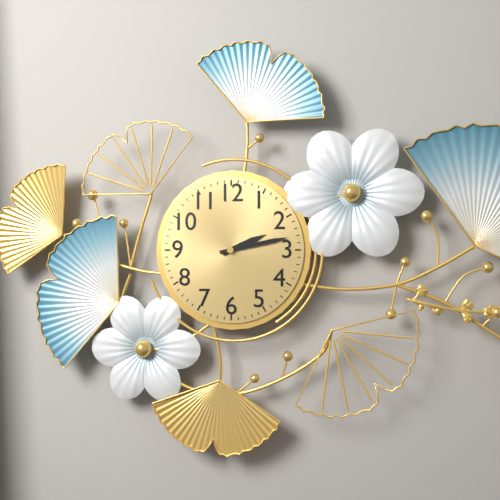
2 h 13 min
